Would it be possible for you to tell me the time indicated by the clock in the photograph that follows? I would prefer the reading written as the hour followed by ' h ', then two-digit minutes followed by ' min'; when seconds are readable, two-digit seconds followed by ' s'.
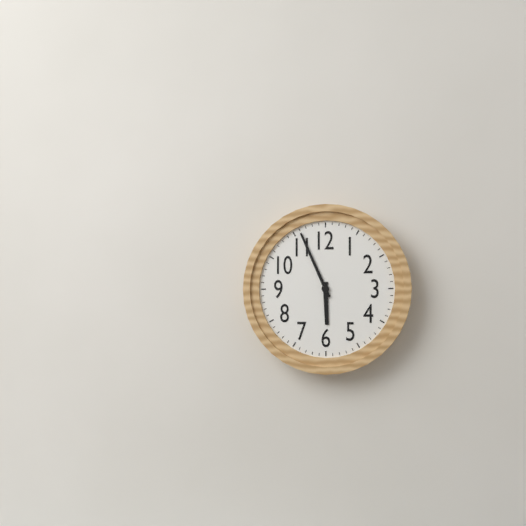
5 h 56 min
